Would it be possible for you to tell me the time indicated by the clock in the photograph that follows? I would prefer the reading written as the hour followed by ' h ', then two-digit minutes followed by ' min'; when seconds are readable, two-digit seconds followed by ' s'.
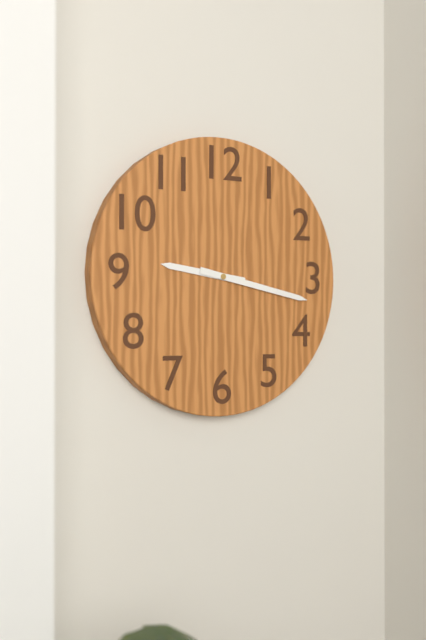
9 h 17 min
